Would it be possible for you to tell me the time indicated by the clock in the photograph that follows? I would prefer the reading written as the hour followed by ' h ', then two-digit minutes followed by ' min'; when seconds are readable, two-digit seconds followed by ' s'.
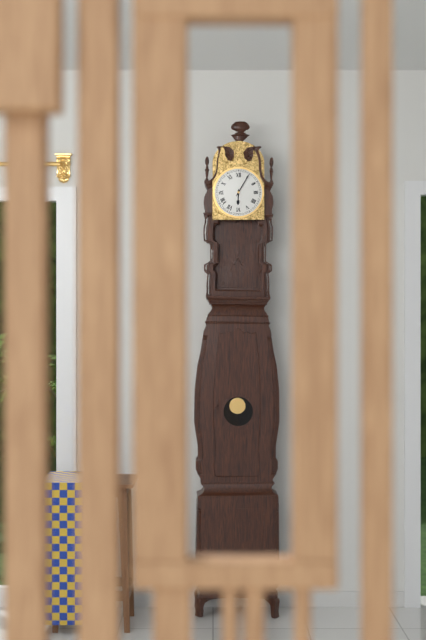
6 h 05 min
